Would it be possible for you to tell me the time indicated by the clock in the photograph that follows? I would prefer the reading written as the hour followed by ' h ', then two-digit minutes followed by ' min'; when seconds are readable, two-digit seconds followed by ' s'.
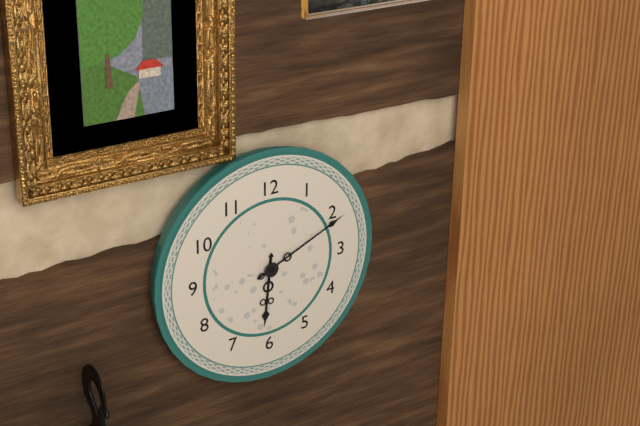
6 h 11 min
